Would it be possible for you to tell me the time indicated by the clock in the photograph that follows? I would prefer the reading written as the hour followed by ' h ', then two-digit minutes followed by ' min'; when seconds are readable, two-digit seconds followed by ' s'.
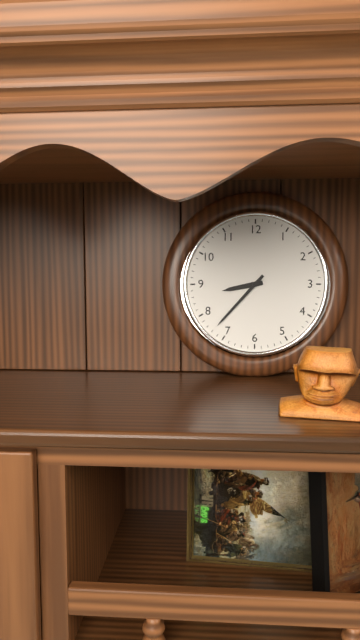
8 h 37 min
